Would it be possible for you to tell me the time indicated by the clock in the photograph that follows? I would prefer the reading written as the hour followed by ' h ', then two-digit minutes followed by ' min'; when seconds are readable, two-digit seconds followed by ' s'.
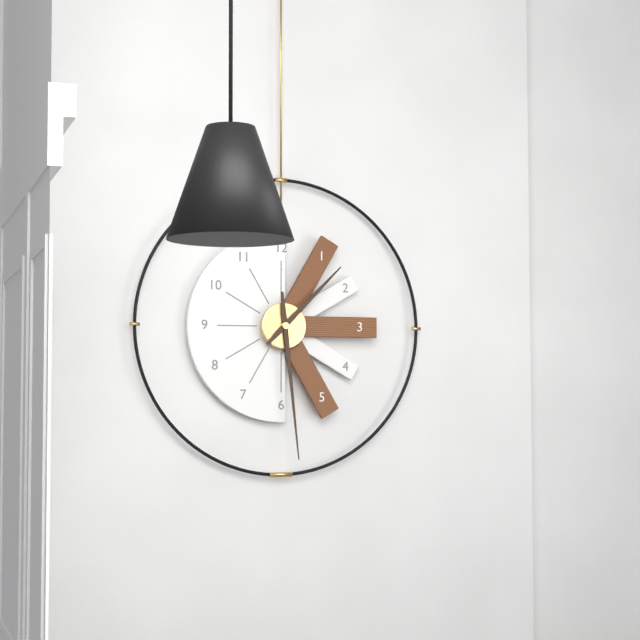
1 h 29 min
